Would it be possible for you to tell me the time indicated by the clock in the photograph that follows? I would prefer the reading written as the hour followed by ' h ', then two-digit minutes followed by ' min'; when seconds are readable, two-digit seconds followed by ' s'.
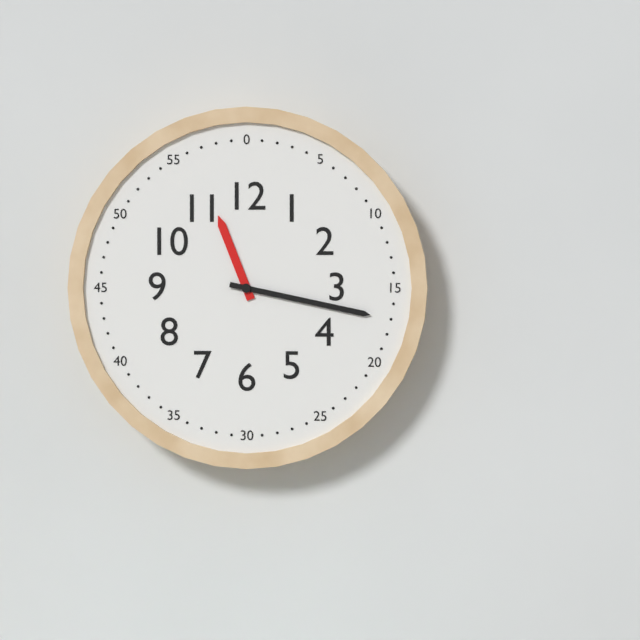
11 h 17 min
